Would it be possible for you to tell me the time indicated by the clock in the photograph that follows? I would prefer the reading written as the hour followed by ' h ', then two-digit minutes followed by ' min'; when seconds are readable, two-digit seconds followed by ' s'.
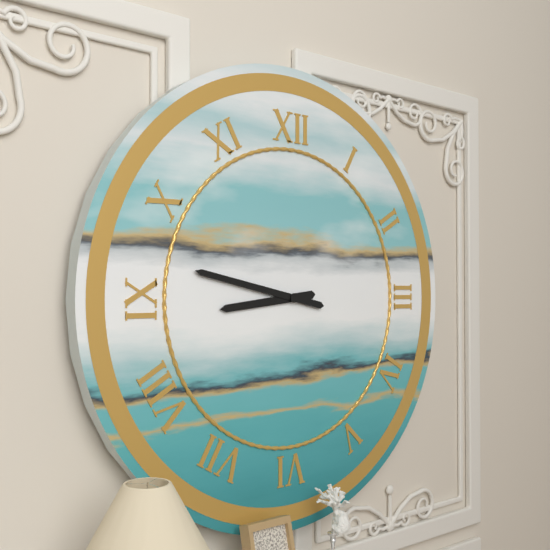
8 h 47 min
